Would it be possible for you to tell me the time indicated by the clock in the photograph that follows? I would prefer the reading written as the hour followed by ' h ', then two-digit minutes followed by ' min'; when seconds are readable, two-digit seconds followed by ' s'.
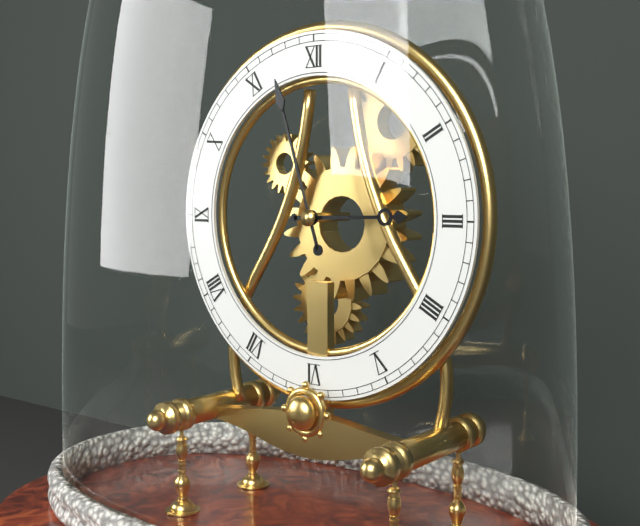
2 h 57 min
